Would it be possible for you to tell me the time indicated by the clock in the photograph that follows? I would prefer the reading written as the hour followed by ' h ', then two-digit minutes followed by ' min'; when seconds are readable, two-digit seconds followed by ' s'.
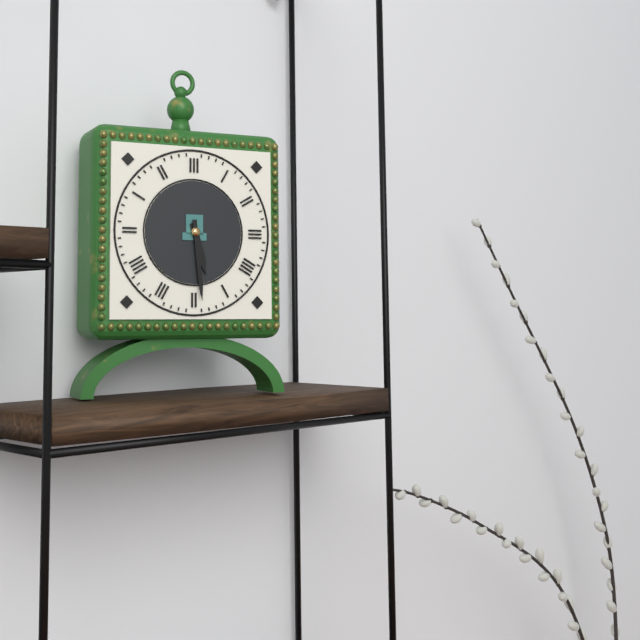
5 h 29 min
